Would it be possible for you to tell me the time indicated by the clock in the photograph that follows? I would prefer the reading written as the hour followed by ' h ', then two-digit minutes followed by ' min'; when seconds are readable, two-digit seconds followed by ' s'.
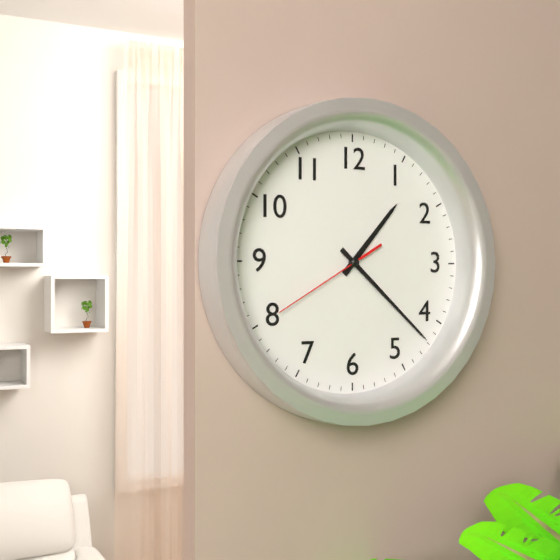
1 h 22 min 40 s
